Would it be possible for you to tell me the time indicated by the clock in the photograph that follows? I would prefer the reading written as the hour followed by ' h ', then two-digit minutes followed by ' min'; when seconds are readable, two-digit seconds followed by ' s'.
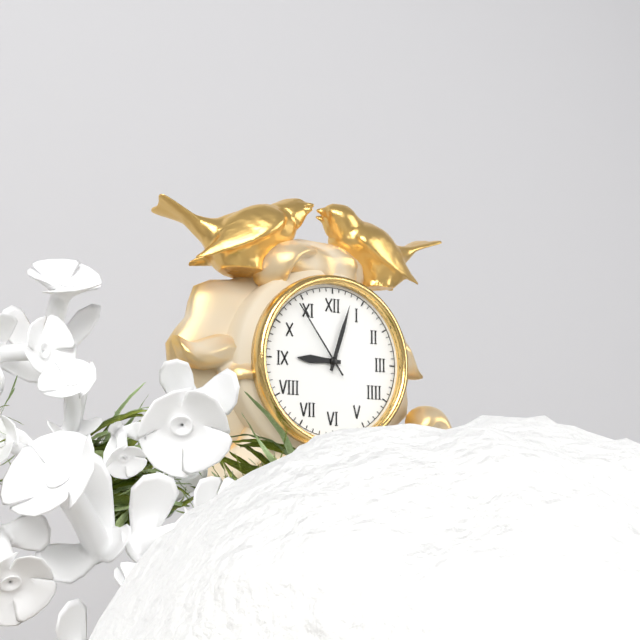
9 h 03 min 54 s
